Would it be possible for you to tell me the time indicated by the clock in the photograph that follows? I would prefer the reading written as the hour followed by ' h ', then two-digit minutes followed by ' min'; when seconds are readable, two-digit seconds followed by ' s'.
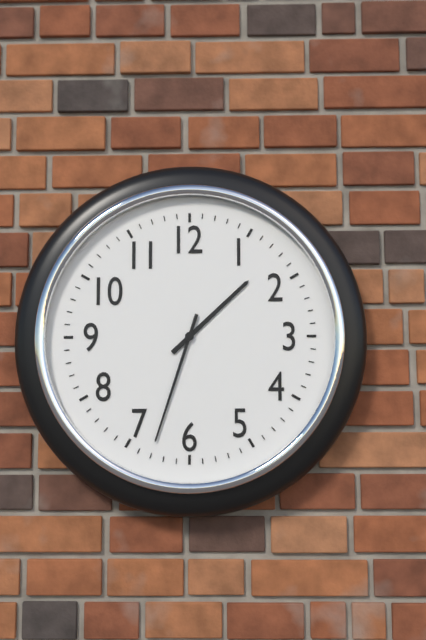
1 h 33 min
